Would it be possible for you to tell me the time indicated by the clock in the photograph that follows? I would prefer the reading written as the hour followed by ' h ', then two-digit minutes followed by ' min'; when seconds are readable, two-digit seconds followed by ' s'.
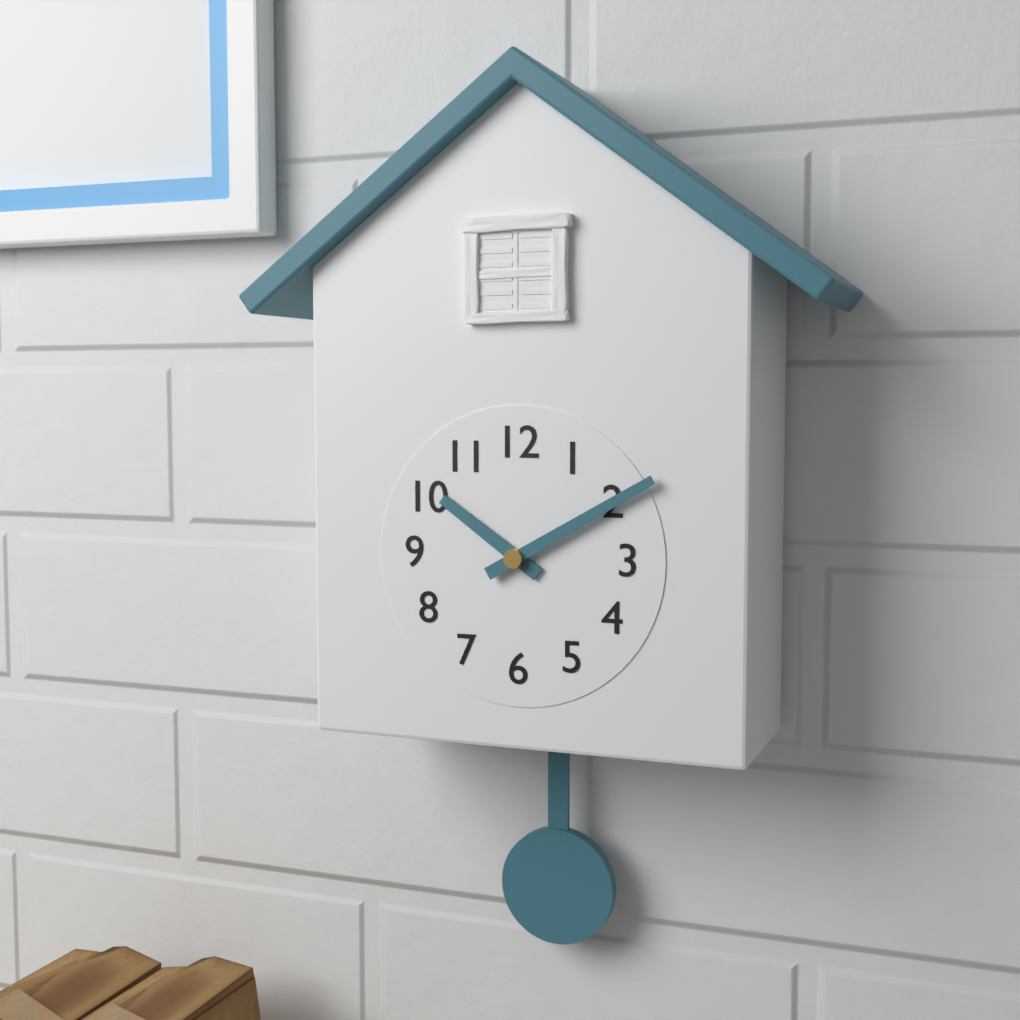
10 h 10 min
